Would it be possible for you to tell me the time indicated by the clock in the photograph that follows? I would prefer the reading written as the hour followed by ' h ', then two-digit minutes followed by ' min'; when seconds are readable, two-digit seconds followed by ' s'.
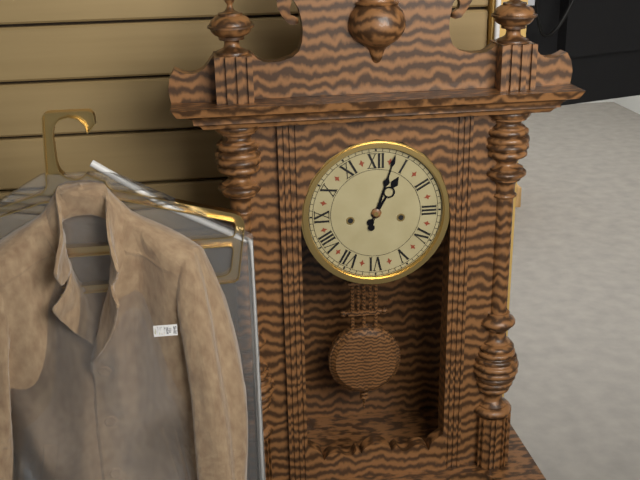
1 h 03 min
